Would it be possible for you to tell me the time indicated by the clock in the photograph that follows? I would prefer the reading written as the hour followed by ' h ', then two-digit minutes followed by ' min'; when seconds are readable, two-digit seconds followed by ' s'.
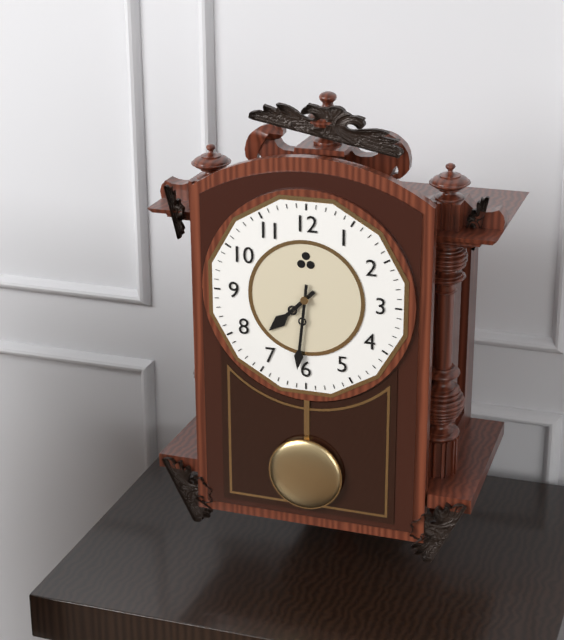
7 h 31 min
